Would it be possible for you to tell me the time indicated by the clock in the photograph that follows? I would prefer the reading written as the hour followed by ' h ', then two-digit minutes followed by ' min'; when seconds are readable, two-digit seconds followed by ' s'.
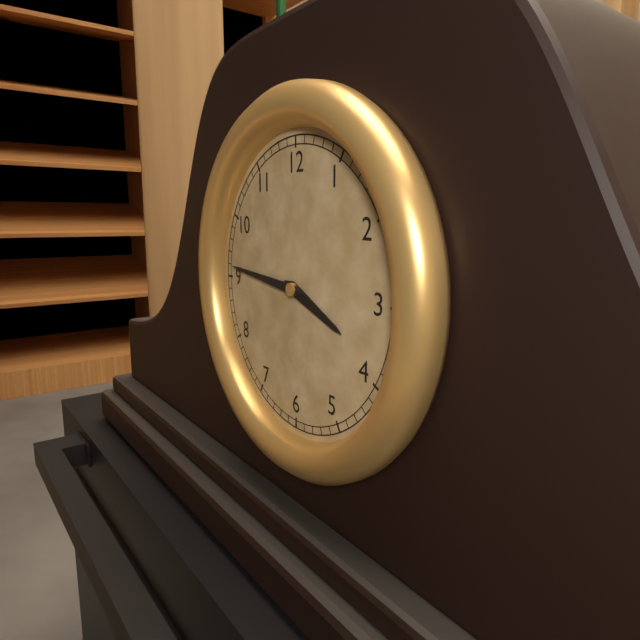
3 h 46 min
